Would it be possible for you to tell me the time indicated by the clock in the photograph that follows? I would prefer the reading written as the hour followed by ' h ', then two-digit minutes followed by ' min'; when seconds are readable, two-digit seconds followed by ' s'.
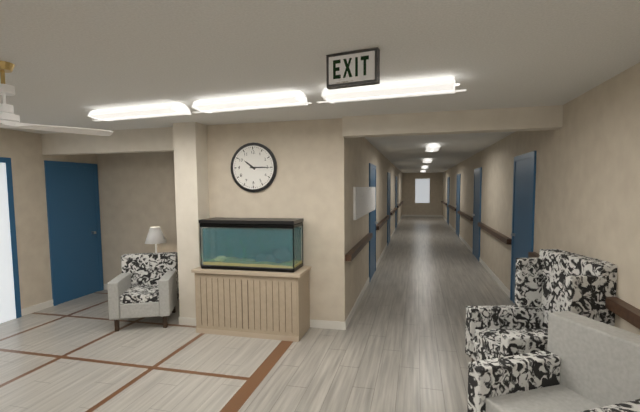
10 h 15 min
